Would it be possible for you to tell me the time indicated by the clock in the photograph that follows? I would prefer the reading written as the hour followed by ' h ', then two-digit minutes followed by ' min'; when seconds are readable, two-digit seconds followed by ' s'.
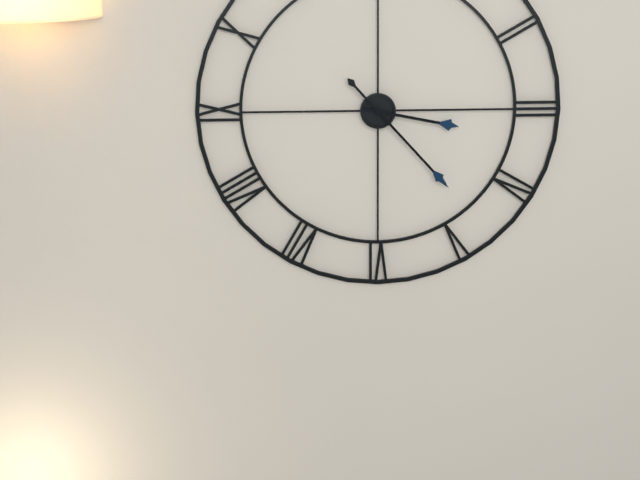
3 h 23 min
